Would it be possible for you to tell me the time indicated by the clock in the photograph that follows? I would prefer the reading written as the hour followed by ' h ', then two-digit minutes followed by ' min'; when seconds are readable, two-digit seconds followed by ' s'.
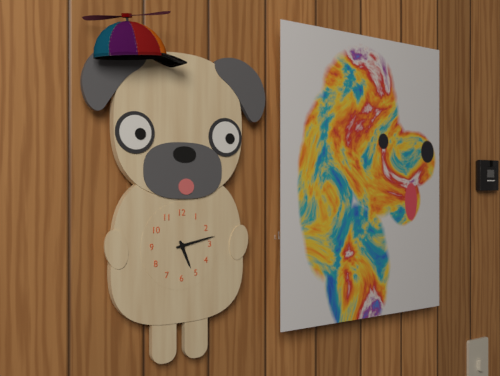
5 h 13 min
